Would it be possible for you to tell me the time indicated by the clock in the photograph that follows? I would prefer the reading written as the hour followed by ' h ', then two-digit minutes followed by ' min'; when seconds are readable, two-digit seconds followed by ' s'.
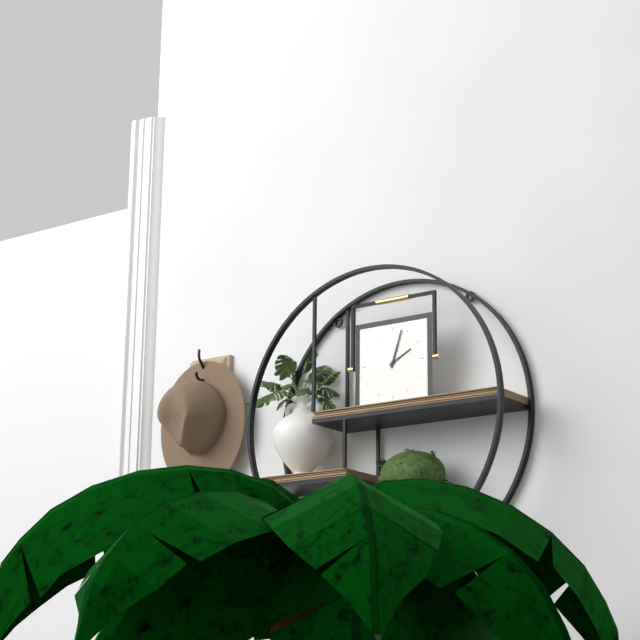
2 h 03 min
